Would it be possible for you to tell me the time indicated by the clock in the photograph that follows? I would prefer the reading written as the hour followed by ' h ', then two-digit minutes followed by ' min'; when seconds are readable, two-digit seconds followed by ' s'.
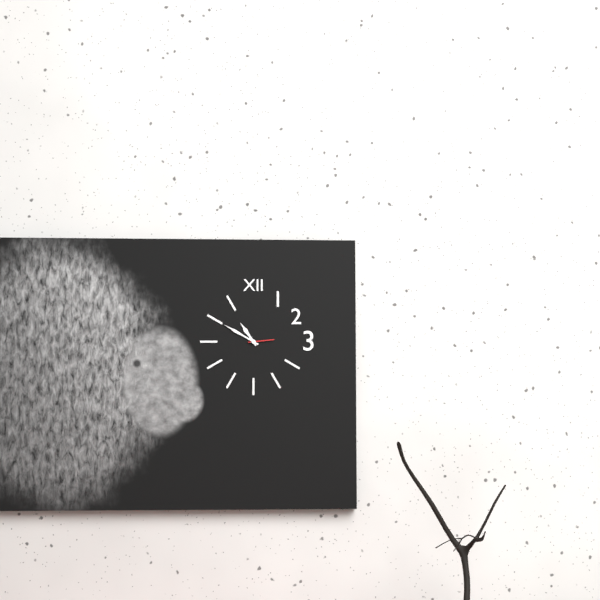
10 h 50 min
